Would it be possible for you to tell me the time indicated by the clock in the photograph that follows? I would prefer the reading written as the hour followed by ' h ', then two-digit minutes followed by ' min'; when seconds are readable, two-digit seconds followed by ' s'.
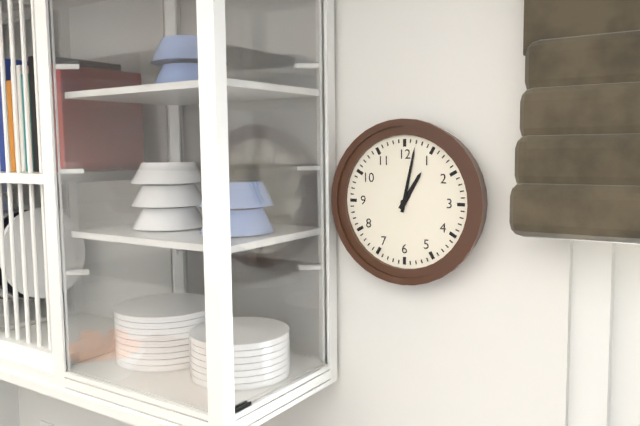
1 h 02 min
